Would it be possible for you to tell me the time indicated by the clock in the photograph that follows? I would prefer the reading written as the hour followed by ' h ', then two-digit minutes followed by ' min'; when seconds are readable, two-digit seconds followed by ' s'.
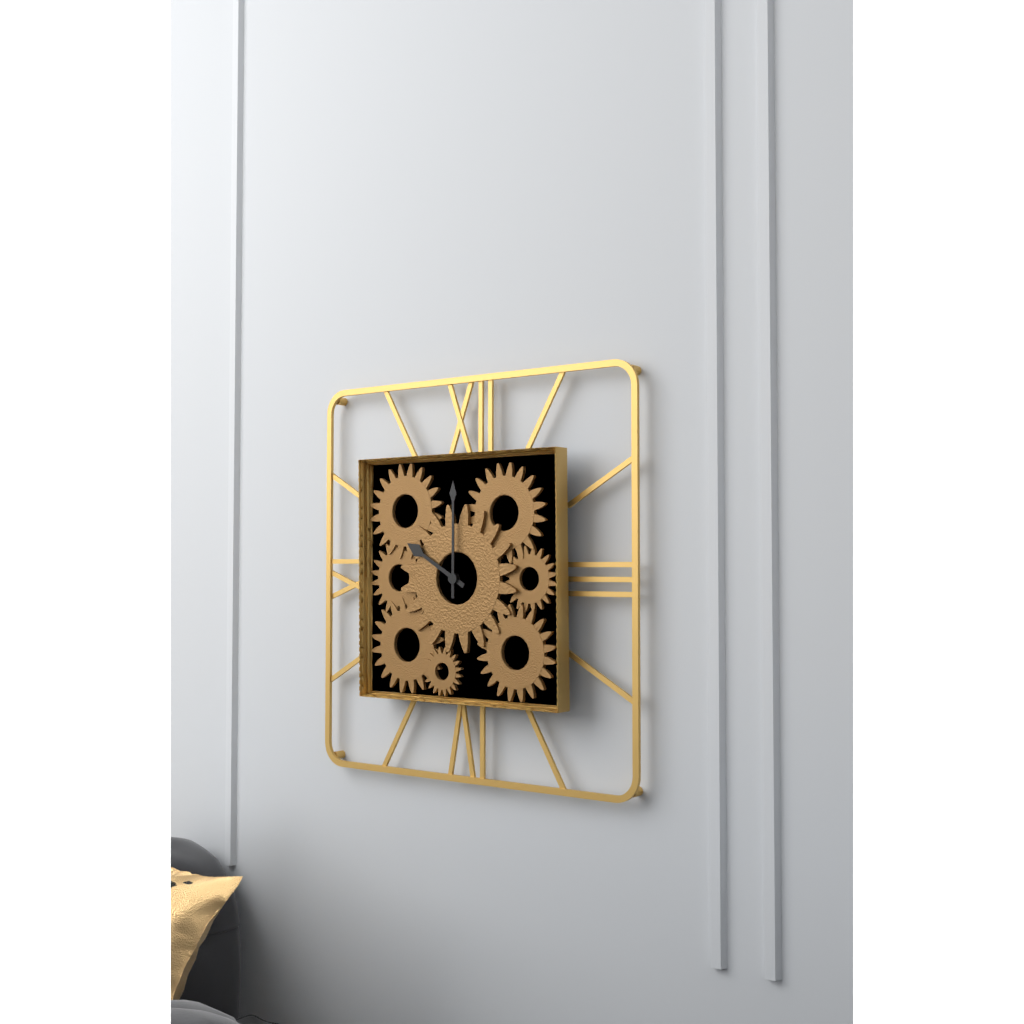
10 h 00 min
